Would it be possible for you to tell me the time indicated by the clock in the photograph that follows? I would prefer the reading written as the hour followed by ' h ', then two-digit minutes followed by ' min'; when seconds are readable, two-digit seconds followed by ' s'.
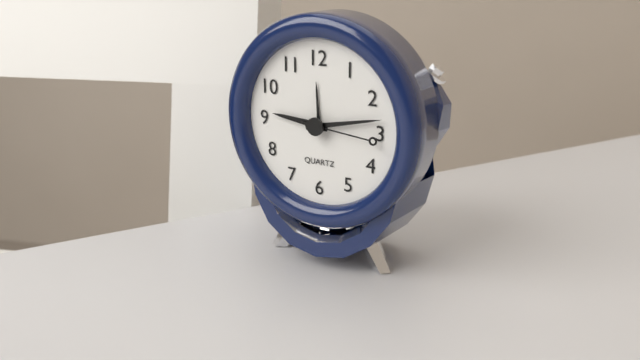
9 h 13 min 16 s
